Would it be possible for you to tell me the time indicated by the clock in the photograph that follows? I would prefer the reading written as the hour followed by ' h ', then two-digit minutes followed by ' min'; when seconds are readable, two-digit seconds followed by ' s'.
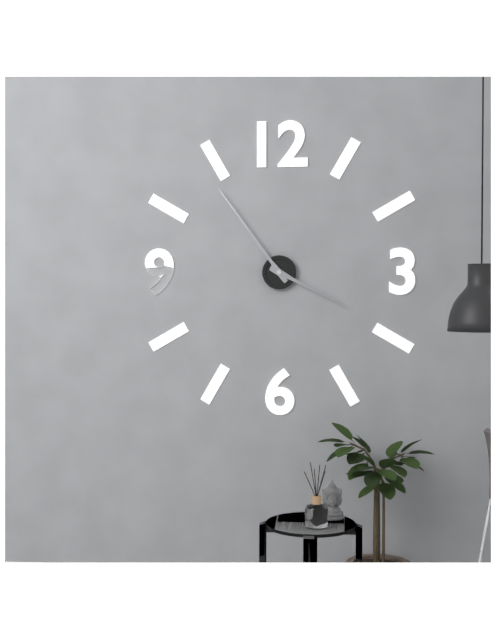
3 h 54 min
